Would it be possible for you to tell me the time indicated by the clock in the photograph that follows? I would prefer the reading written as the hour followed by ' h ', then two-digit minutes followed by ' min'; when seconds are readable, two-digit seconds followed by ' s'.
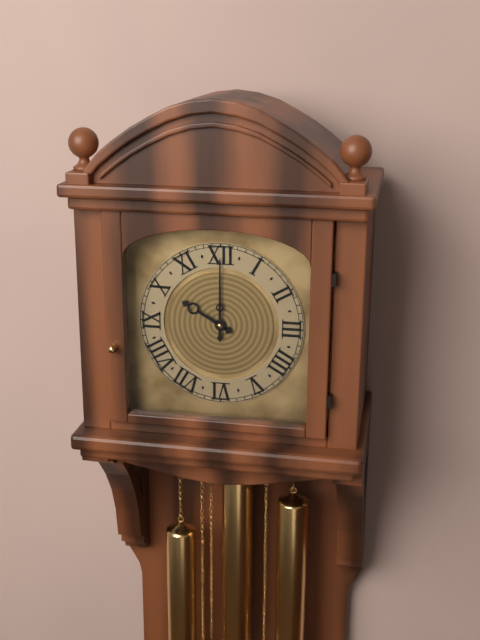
10 h 00 min
